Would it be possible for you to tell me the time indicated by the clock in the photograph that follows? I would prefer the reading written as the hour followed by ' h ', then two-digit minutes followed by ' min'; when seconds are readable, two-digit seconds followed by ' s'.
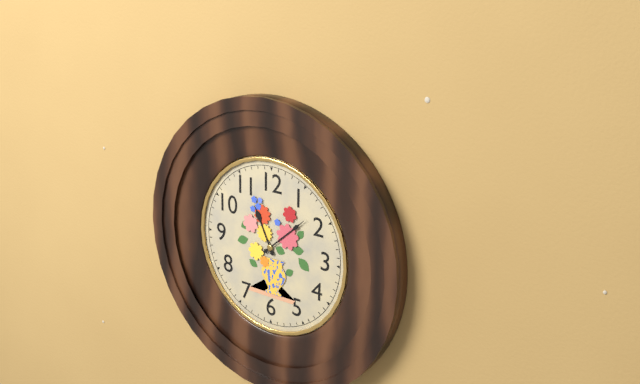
11 h 08 min
